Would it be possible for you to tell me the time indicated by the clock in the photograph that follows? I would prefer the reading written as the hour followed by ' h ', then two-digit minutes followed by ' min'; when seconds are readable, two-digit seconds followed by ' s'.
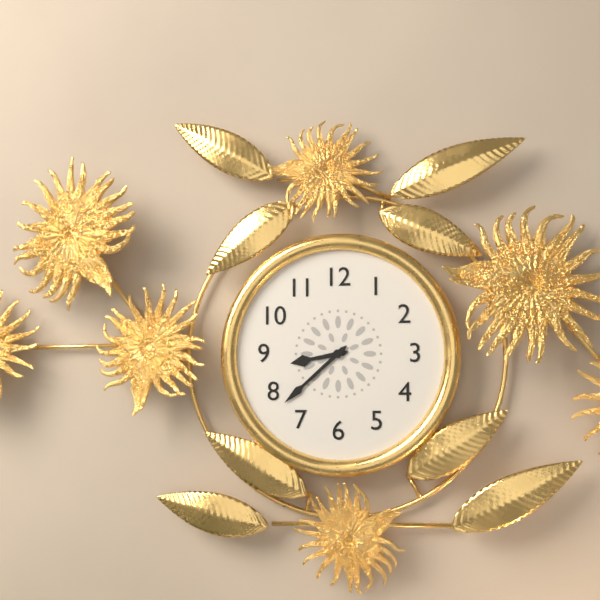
8 h 38 min
